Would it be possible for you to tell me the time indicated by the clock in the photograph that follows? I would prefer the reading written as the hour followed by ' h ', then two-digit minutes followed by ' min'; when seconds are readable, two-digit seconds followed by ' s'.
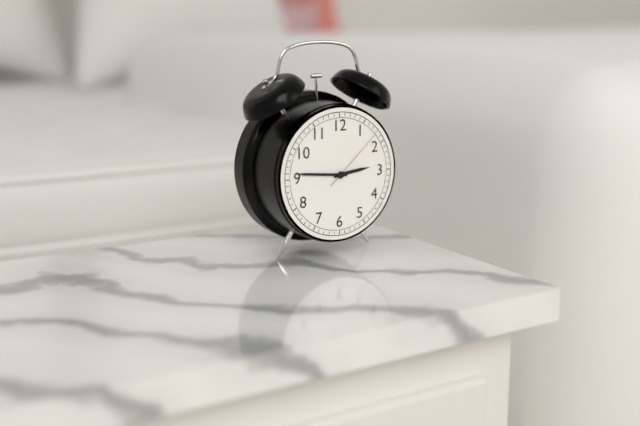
2 h 46 min 08 s
